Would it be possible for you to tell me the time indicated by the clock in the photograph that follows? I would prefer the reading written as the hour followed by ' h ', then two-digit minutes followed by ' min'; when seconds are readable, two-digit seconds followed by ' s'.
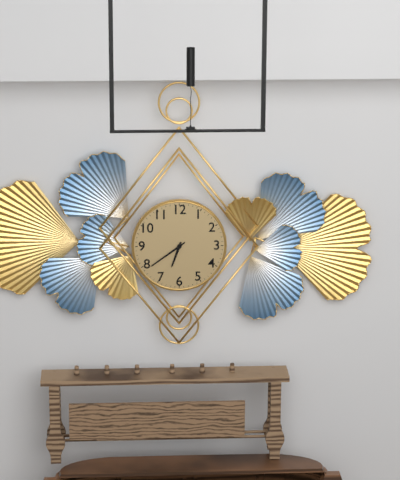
6 h 39 min
